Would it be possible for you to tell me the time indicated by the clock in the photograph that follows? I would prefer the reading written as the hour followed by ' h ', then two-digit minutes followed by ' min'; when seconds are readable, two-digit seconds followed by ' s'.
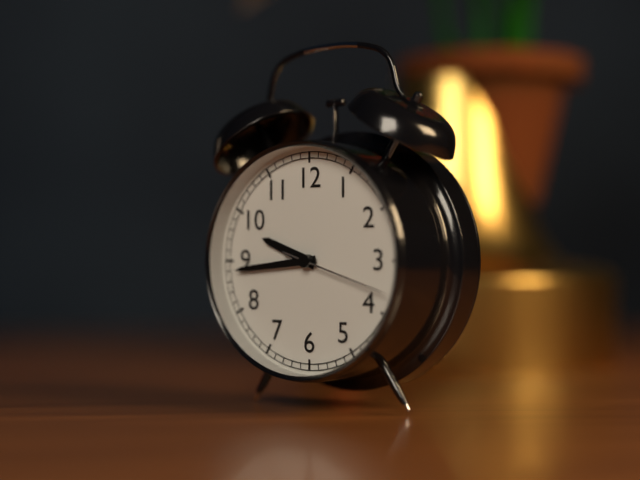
9 h 44 min 18 s
